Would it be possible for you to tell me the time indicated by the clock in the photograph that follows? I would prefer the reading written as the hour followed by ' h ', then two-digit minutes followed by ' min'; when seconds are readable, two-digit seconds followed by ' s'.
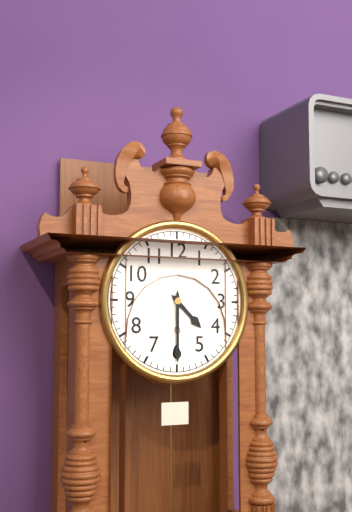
4 h 30 min
